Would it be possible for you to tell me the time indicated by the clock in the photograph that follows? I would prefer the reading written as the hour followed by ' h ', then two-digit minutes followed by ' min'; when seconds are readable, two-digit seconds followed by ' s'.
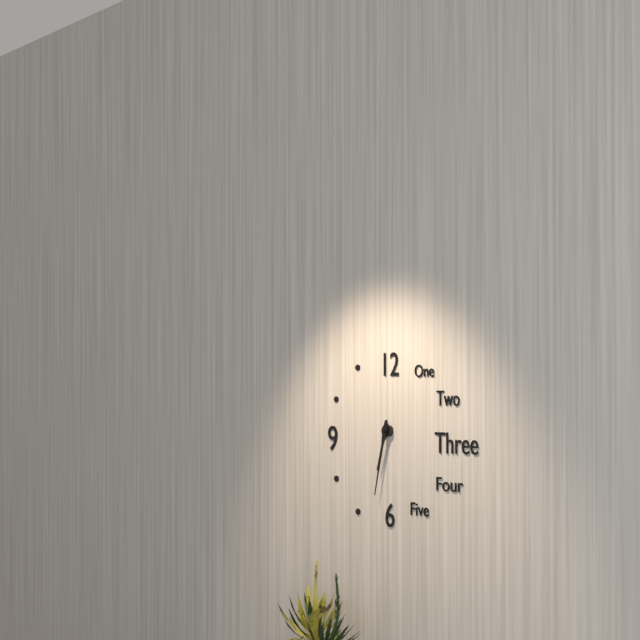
6 h 32 min
